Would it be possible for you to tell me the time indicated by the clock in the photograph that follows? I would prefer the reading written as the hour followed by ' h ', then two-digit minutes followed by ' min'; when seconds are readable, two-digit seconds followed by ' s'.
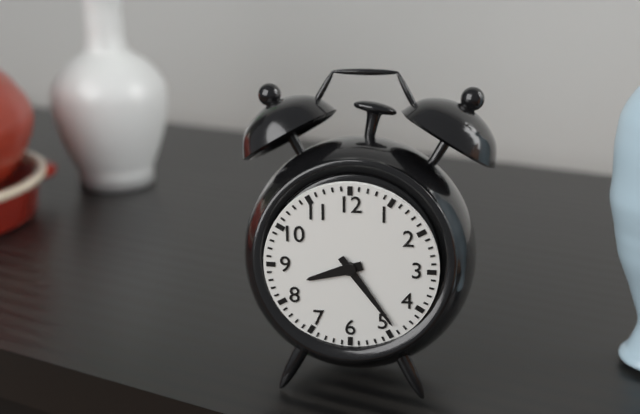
8 h 24 min
